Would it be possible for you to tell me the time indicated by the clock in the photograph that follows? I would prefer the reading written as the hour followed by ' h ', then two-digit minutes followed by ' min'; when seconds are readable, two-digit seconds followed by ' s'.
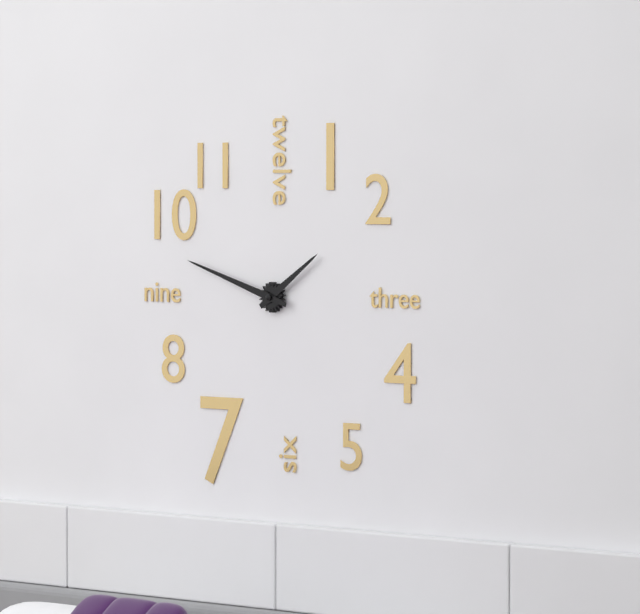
1 h 48 min
